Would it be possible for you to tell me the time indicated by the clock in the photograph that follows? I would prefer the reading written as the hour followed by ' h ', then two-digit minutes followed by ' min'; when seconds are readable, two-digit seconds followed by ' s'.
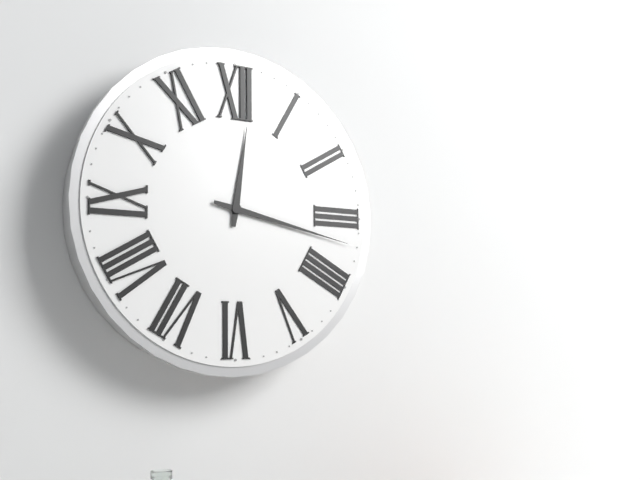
12 h 17 min
